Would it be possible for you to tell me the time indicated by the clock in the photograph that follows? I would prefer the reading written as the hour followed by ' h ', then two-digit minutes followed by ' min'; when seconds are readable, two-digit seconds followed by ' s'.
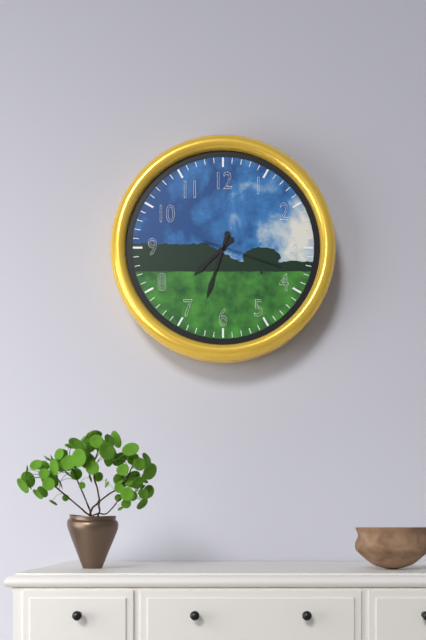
7 h 33 min 18 s
